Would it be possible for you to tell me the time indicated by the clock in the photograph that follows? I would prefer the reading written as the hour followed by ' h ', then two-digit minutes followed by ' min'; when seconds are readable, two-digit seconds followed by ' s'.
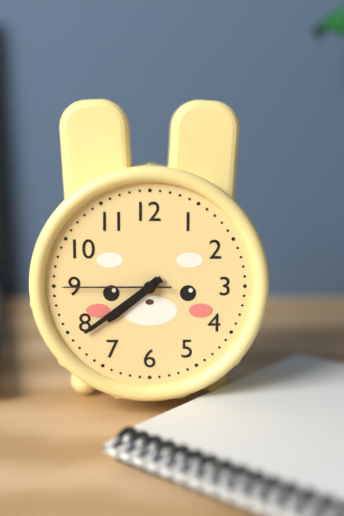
7 h 39 min 45 s
